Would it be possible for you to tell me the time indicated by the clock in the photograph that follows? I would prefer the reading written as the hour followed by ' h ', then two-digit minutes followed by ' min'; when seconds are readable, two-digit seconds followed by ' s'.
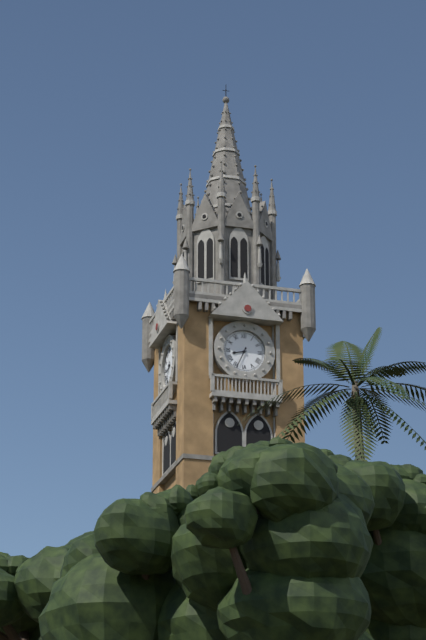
8 h 34 min
